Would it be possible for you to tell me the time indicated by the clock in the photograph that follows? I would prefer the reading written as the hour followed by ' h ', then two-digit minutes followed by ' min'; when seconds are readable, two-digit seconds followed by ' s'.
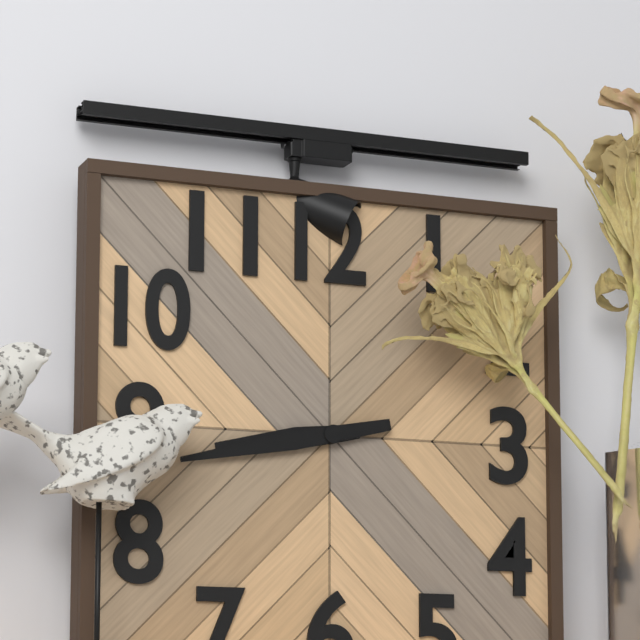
8 h 43 min
